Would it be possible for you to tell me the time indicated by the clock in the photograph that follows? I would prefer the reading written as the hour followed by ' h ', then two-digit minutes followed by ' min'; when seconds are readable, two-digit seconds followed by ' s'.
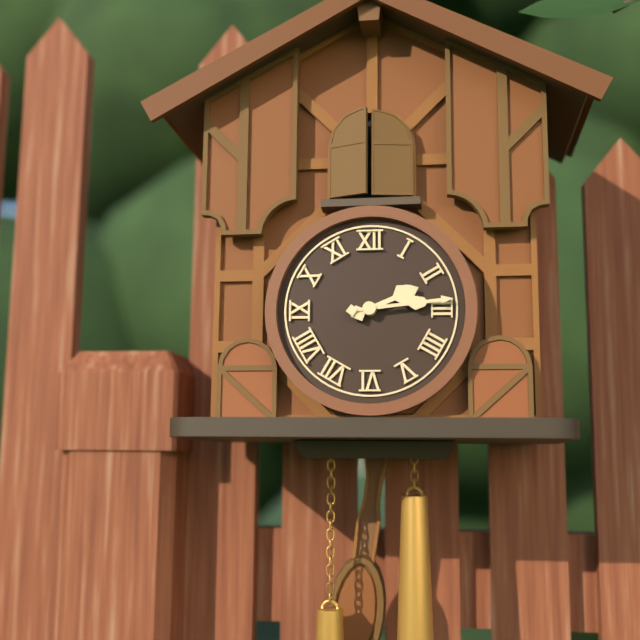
2 h 14 min
